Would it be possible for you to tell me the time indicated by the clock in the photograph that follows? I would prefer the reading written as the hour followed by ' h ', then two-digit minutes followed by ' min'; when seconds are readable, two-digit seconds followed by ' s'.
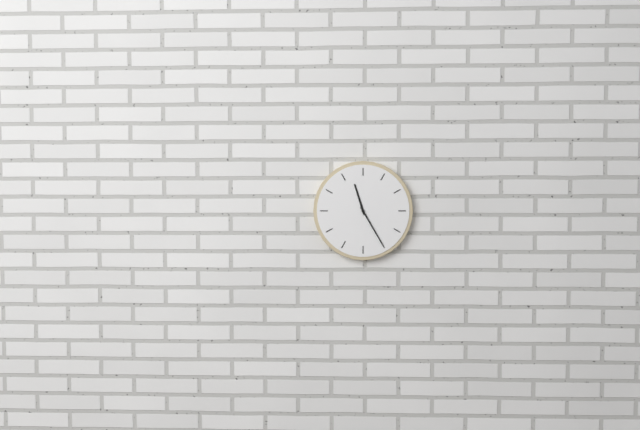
11 h 25 min
